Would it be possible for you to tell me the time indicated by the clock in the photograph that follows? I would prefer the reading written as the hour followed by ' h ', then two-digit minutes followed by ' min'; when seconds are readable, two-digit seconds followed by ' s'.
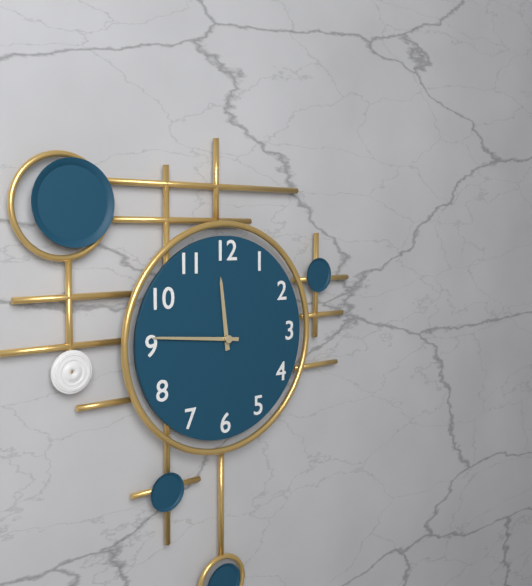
11 h 46 min
